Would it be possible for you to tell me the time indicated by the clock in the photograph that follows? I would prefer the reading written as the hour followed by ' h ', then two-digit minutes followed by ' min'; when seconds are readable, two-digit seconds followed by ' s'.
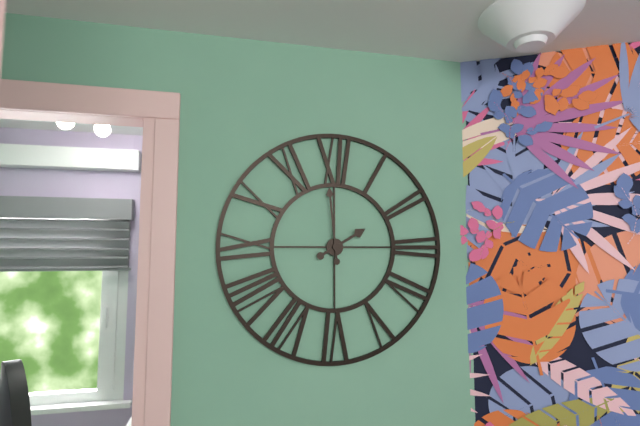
1 h 59 min
